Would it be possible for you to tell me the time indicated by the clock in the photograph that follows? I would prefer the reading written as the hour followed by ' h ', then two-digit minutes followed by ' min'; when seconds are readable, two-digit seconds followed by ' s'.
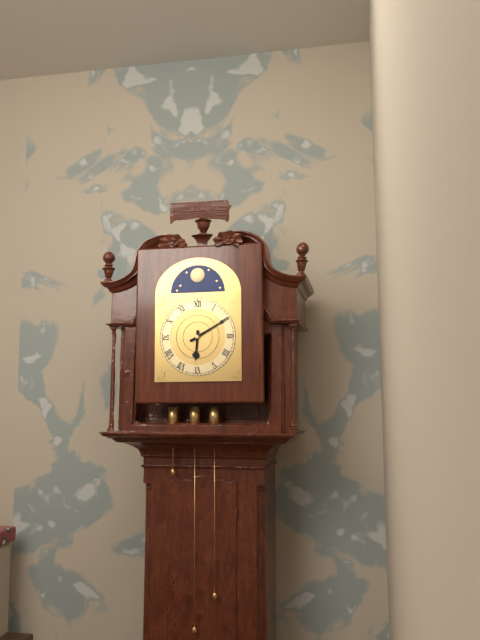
6 h 10 min
